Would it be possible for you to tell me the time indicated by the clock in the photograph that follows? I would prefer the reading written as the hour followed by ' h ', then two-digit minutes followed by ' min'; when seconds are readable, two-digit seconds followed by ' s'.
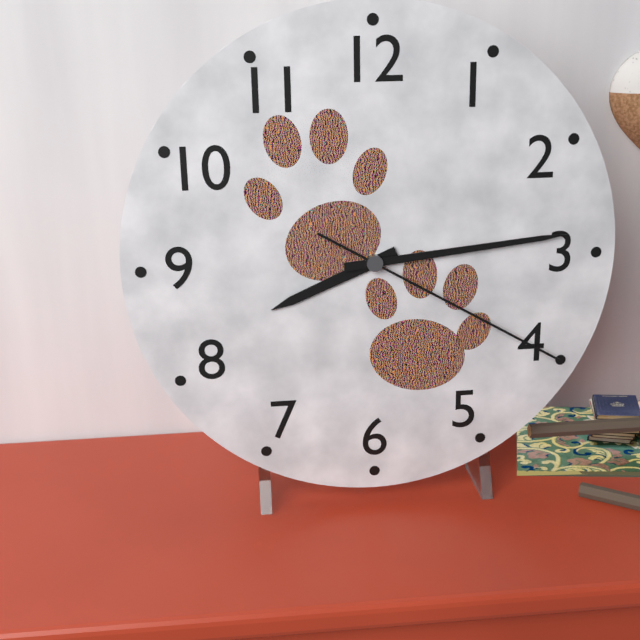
8 h 14 min 20 s
